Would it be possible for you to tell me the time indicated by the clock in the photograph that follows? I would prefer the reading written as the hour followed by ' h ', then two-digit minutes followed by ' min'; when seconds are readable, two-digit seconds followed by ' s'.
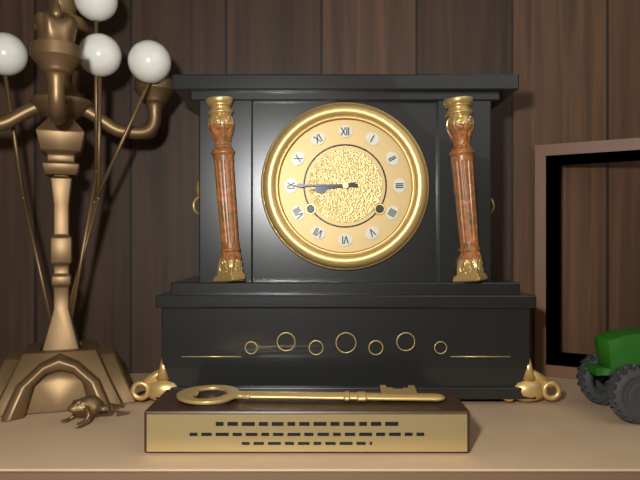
8 h 45 min
